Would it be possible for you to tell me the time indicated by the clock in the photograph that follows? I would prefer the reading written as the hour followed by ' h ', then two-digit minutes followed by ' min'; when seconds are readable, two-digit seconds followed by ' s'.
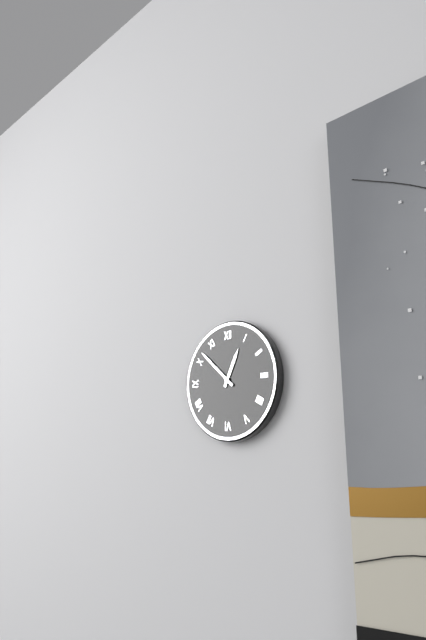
12 h 52 min
